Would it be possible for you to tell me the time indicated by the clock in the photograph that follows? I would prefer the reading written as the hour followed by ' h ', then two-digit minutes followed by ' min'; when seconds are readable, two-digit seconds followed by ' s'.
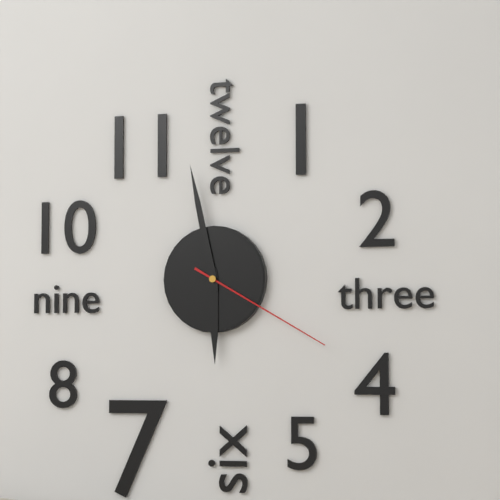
5 h 58 min 20 s
